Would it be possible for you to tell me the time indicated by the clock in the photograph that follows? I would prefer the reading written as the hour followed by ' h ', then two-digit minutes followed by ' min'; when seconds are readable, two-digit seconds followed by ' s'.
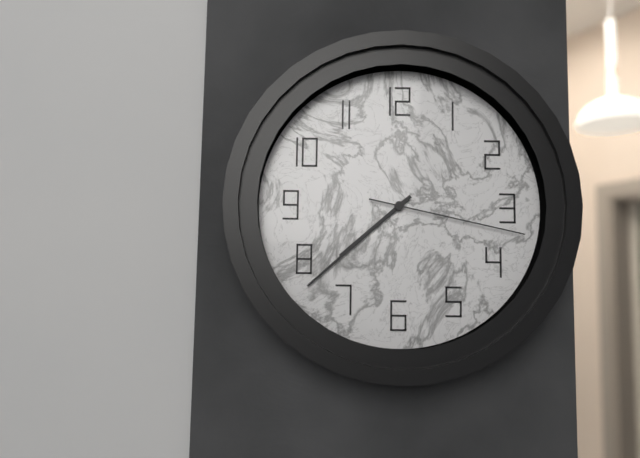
7 h 38 min 17 s
